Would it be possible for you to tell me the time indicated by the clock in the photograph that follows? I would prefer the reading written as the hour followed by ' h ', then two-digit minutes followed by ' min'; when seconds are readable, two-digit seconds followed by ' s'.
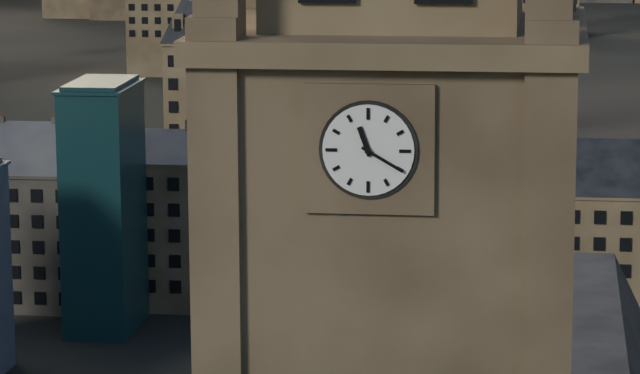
11 h 20 min
